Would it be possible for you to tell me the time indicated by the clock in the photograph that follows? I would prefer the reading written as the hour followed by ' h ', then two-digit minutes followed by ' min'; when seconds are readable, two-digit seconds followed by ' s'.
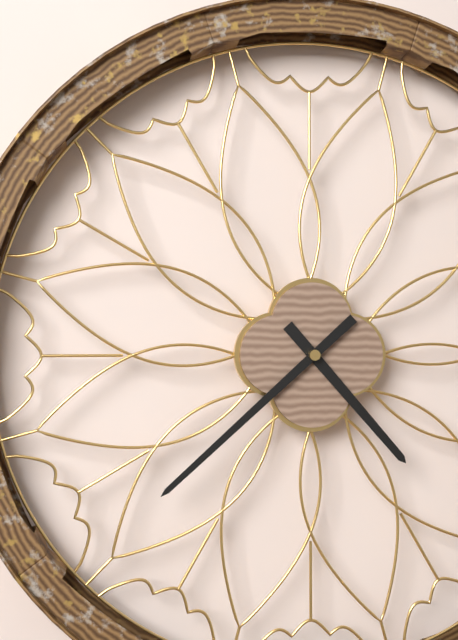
4 h 38 min
